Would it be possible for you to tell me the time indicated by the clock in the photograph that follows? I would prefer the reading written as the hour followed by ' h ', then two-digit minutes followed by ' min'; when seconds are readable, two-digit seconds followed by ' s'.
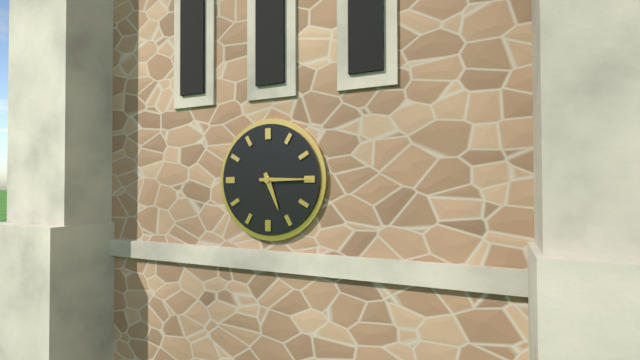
5 h 15 min
